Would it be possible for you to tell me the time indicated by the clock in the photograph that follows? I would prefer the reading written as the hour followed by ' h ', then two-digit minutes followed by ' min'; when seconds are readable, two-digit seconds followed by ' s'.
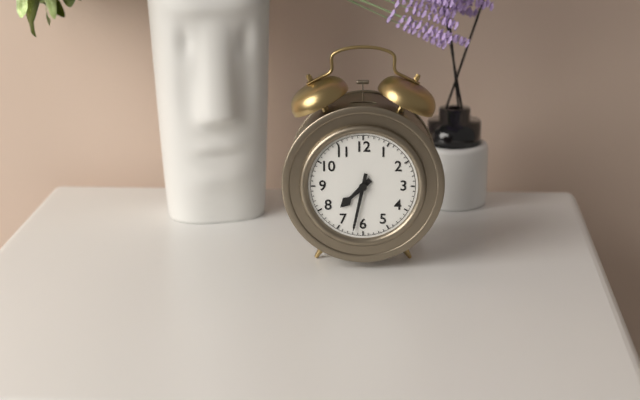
7 h 32 min
